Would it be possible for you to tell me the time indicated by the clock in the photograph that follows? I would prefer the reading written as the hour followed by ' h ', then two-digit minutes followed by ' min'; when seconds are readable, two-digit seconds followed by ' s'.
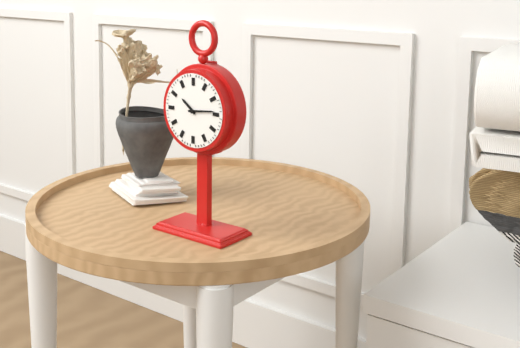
10 h 14 min
